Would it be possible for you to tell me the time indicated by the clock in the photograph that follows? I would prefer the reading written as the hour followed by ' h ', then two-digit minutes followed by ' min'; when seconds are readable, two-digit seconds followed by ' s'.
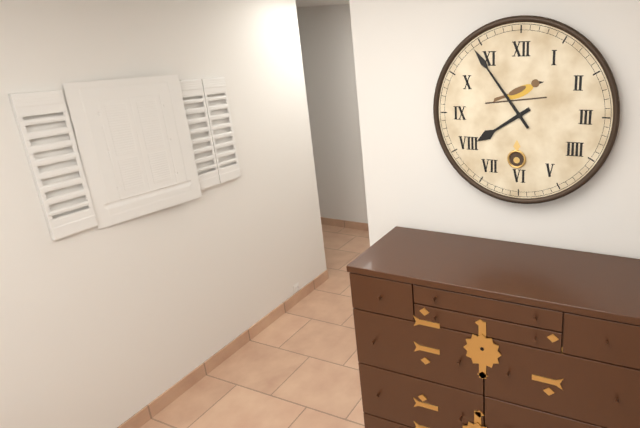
7 h 54 min
